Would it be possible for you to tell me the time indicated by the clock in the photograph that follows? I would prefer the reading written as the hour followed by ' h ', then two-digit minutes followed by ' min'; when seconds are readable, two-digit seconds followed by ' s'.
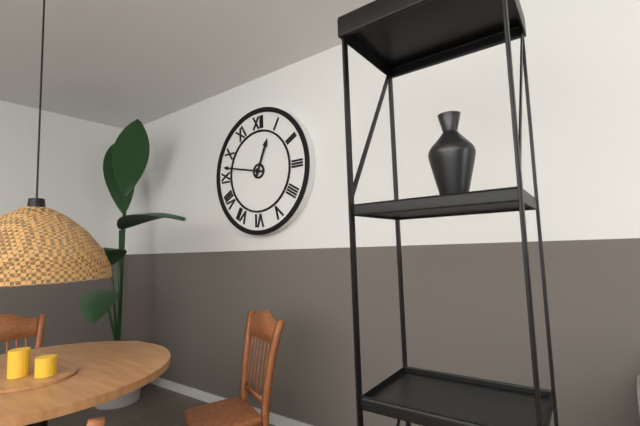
12 h 47 min
